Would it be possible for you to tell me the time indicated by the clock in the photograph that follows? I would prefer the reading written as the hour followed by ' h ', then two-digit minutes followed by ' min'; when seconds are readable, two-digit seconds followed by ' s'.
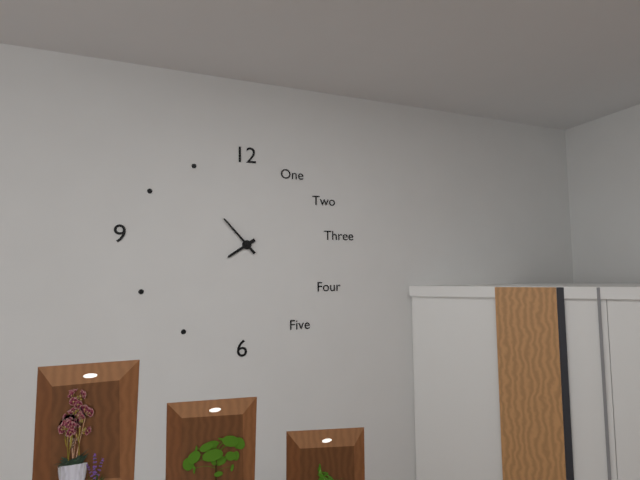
7 h 53 min
